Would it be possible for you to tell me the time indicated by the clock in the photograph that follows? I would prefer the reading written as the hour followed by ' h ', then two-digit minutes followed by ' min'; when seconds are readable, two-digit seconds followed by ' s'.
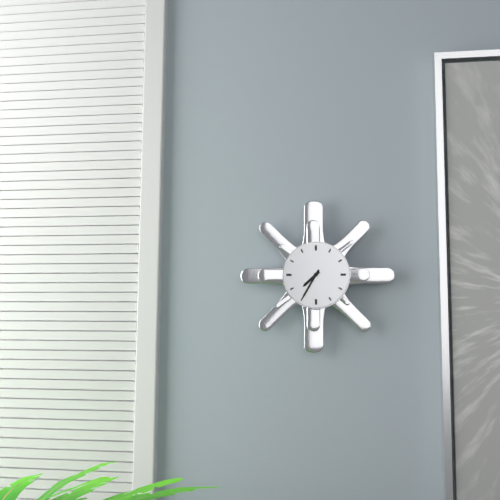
7 h 35 min
